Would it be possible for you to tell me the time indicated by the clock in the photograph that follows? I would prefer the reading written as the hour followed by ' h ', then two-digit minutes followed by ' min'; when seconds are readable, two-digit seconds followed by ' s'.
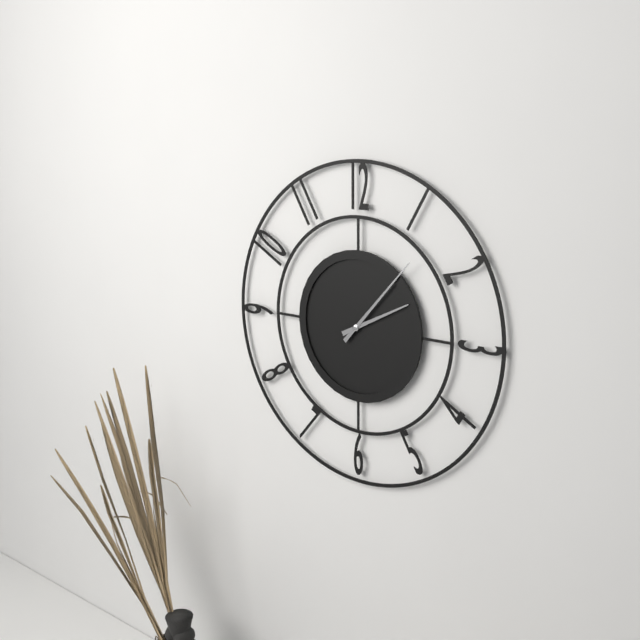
2 h 07 min
